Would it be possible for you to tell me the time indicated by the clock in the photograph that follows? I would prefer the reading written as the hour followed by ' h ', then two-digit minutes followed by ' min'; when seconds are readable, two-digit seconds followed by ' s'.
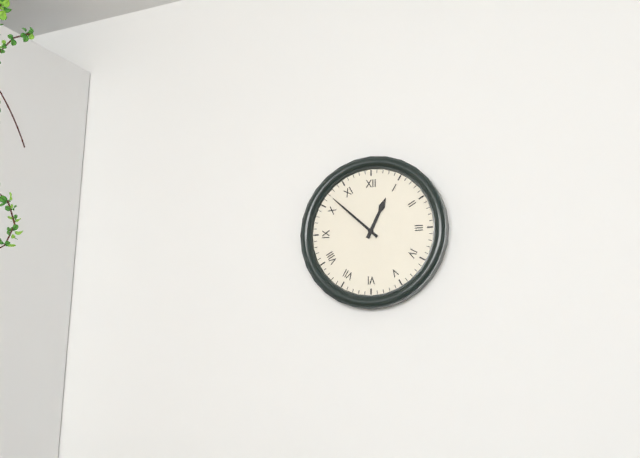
12 h 52 min
